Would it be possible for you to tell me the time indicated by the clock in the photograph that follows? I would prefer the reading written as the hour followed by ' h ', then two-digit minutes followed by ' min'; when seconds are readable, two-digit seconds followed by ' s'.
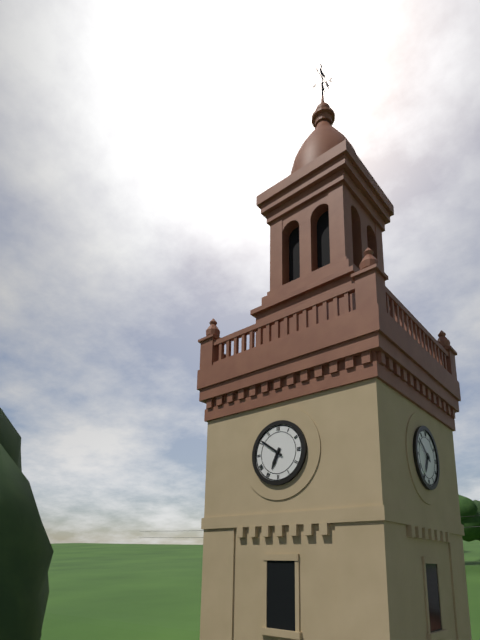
6 h 51 min
